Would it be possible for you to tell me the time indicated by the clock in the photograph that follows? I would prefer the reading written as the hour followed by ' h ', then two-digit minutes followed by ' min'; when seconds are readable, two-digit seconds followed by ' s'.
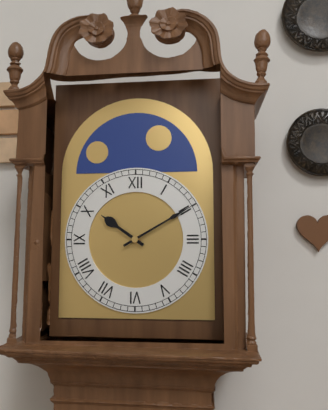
10 h 10 min
